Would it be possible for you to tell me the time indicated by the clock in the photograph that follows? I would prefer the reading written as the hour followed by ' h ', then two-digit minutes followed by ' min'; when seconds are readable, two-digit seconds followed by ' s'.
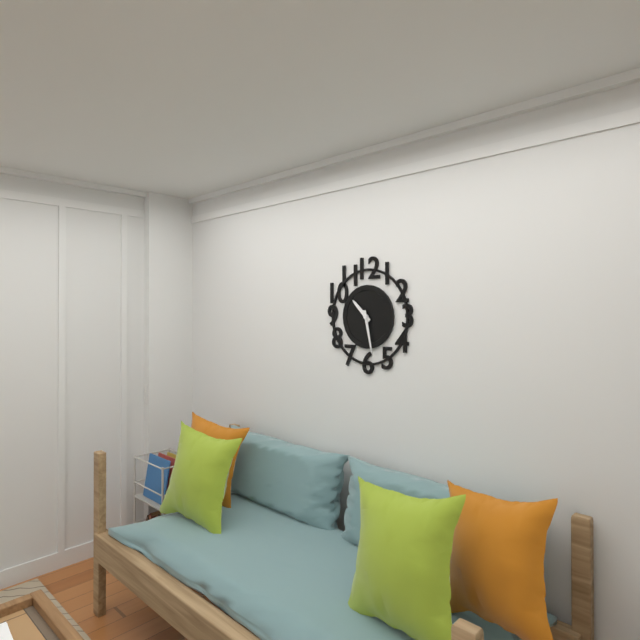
10 h 28 min
